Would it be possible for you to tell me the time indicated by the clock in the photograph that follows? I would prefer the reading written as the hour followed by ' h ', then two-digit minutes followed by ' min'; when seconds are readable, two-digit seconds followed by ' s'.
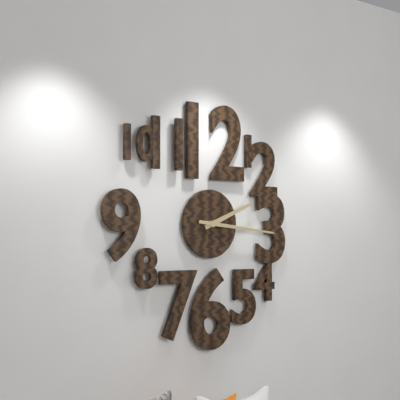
2 h 16 min
